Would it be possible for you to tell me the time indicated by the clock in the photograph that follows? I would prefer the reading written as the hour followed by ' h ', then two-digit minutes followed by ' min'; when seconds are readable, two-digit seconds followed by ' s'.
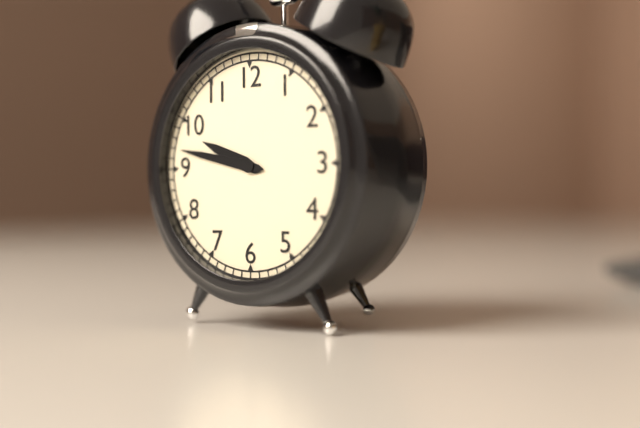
9 h 47 min
